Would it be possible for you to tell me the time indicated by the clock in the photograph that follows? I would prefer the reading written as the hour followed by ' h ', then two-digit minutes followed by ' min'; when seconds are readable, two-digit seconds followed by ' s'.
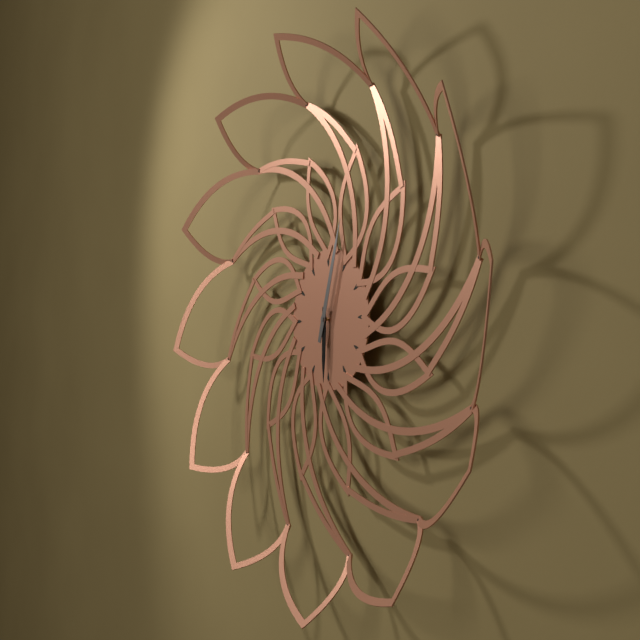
6 h 03 min
